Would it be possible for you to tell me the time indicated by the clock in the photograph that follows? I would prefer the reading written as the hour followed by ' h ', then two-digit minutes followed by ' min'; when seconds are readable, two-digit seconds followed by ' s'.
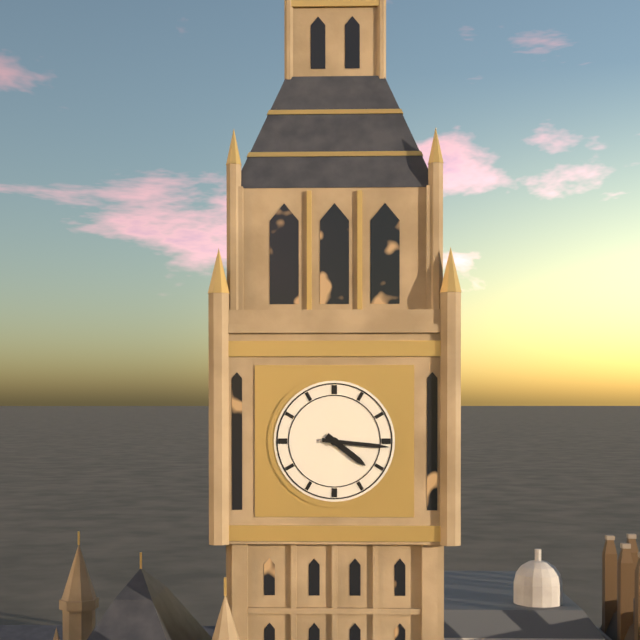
4 h 16 min
